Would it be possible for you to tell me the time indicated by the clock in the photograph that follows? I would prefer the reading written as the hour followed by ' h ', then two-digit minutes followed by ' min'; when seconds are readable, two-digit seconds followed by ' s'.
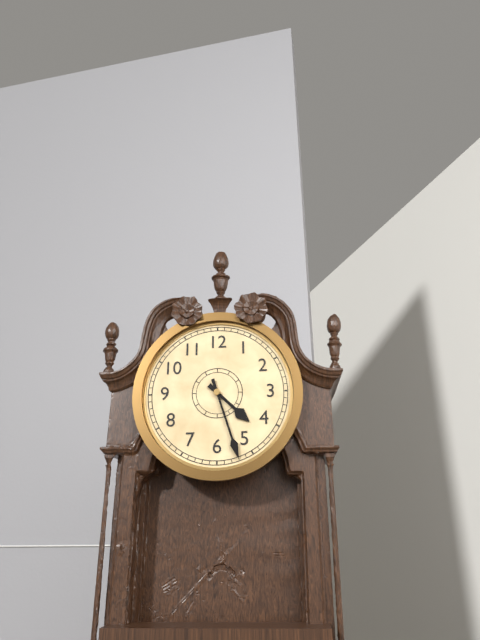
4 h 27 min
